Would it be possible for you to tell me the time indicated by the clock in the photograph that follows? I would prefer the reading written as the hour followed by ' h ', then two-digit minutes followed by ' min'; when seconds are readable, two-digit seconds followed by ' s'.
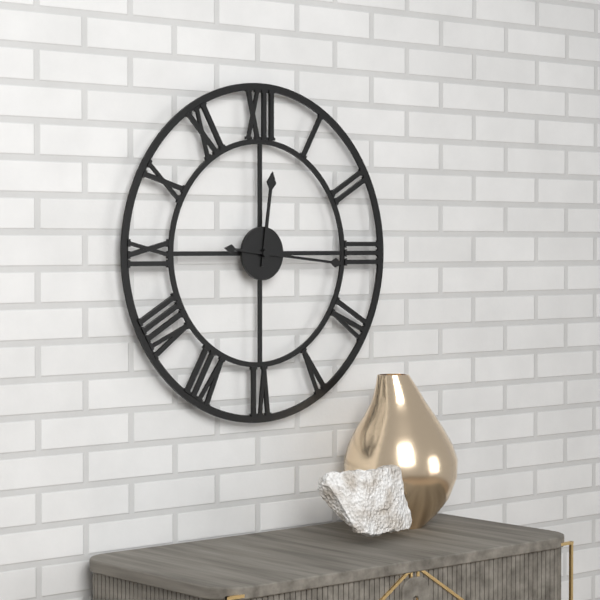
12 h 16 min
